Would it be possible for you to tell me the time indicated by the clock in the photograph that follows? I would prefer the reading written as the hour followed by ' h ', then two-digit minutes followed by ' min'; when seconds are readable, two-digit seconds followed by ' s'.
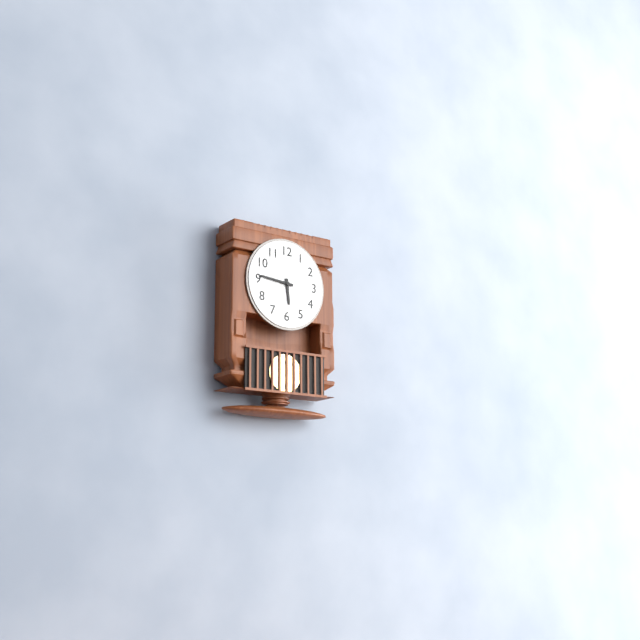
5 h 46 min
